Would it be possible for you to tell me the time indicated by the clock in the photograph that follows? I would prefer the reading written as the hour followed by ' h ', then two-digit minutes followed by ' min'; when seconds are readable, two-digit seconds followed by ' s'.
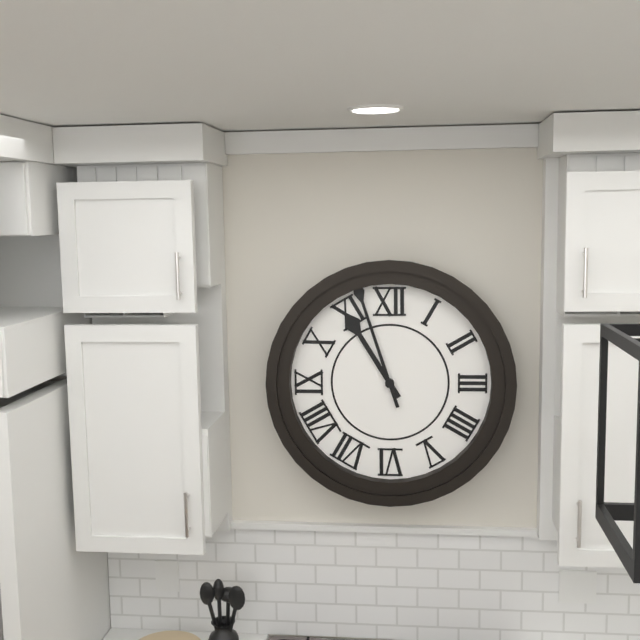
10 h 57 min
